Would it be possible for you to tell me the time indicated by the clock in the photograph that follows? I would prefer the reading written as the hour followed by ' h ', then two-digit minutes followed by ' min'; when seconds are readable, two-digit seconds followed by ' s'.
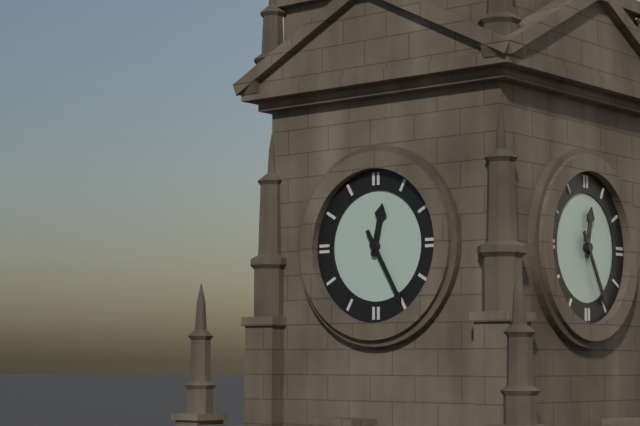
12 h 25 min
